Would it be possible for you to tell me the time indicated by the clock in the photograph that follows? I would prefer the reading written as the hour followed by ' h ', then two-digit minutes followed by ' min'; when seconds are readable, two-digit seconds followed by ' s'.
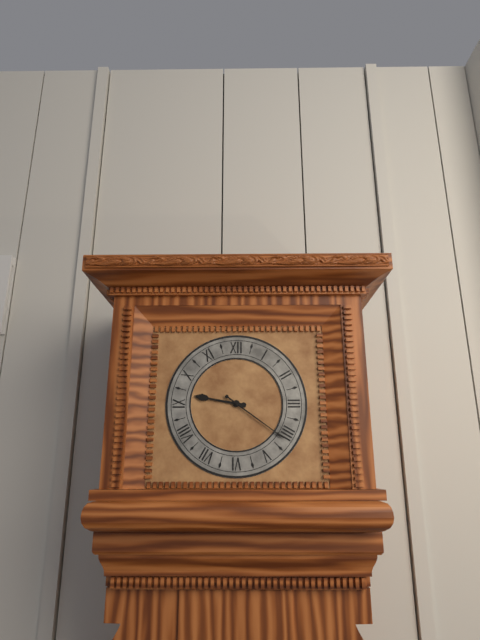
9 h 21 min
